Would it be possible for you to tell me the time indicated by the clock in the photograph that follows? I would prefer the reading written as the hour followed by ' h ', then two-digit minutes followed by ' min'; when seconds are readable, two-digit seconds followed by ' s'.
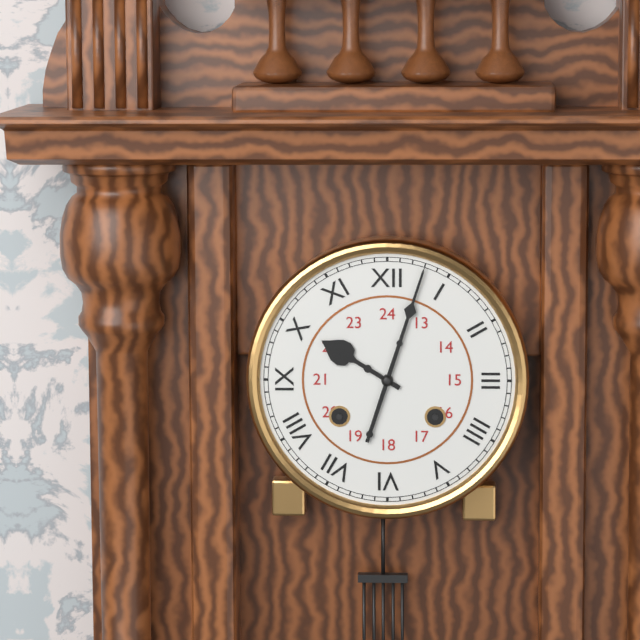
10 h 03 min
